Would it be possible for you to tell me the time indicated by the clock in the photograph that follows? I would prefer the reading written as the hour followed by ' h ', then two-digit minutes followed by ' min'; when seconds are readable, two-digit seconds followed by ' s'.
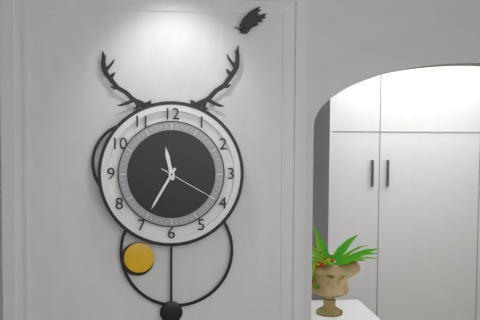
11 h 35 min 20 s
